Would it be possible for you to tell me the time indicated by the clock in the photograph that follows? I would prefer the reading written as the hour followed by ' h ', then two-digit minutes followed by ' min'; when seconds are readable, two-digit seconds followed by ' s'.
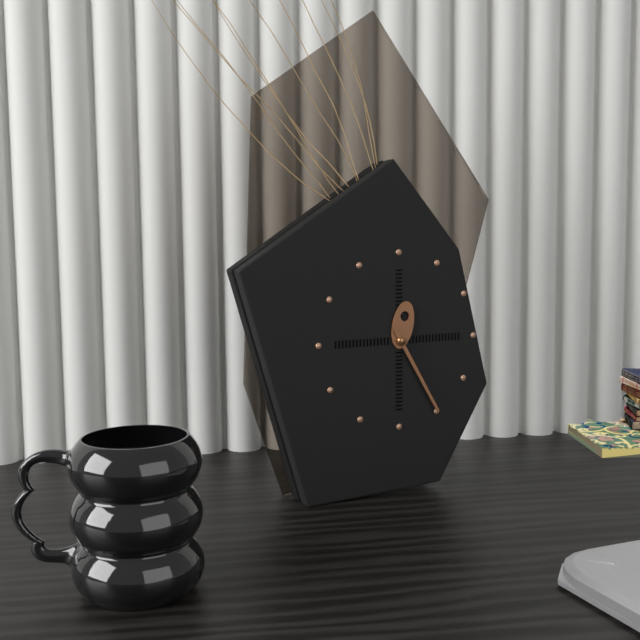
12 h 25 min
